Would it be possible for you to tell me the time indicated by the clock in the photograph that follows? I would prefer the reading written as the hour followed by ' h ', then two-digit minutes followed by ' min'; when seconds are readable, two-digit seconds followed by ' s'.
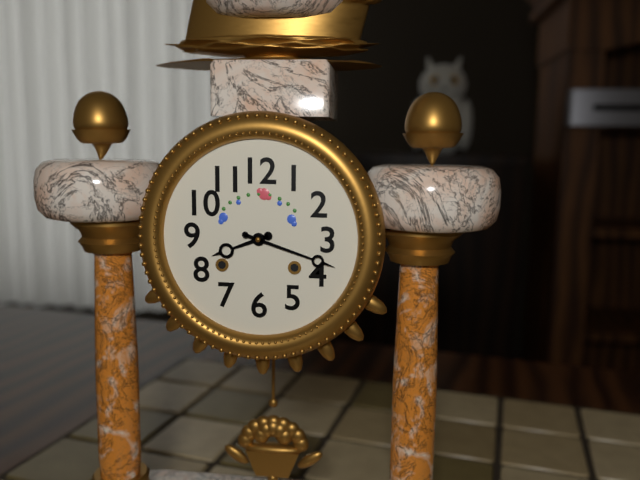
8 h 18 min
